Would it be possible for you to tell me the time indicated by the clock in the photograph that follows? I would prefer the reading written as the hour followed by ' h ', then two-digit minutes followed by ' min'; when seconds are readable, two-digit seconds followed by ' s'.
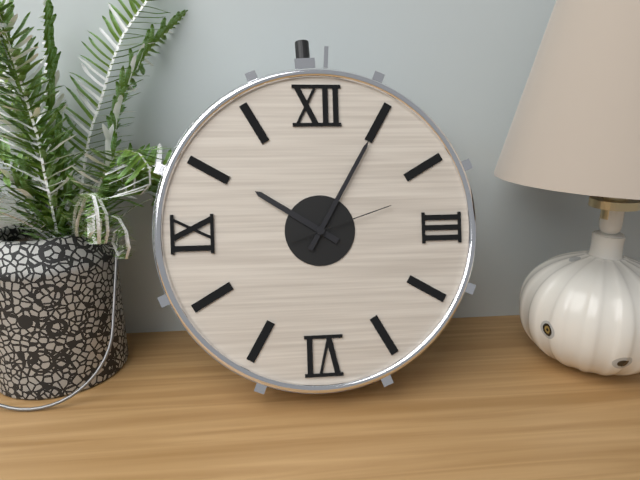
10 h 05 min 12 s
